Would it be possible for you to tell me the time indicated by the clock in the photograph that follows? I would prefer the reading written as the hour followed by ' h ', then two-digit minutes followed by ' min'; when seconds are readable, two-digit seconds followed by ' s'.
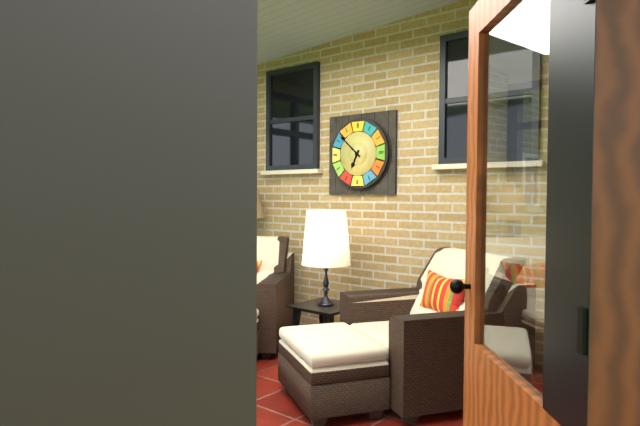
6 h 52 min
